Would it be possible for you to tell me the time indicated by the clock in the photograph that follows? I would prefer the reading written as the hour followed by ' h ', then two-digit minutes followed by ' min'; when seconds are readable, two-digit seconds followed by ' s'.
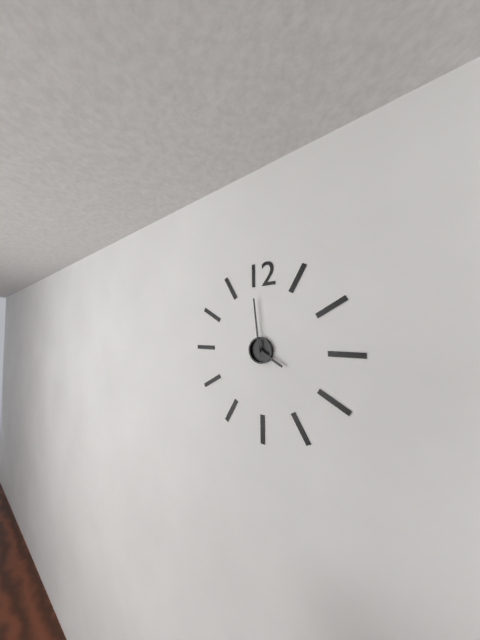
3 h 59 min
